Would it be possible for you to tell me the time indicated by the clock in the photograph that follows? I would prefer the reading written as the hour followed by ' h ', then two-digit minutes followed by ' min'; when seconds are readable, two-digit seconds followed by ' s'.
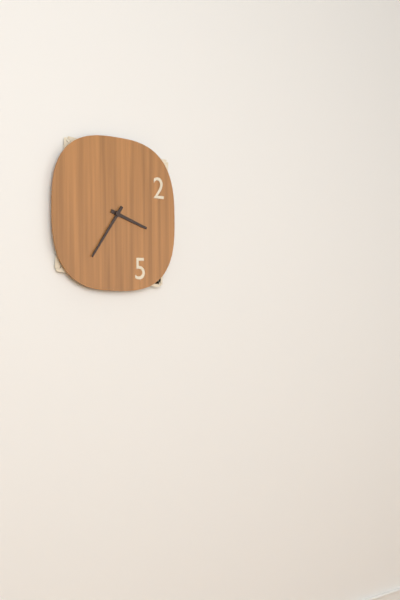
3 h 36 min
